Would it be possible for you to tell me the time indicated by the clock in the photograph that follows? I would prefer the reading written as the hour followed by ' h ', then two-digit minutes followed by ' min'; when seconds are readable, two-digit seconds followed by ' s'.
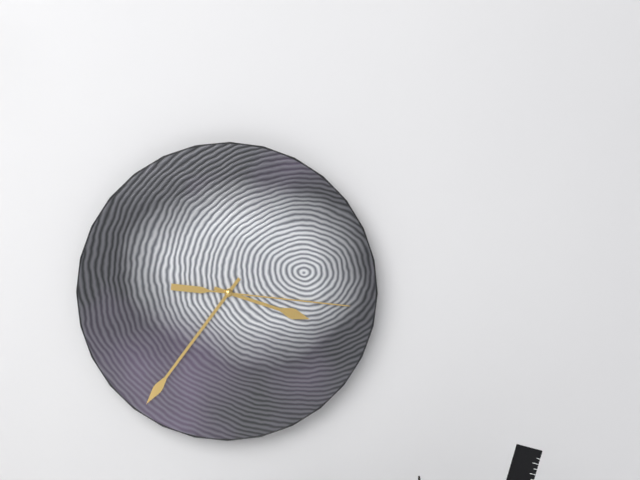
3 h 36 min 16 s
